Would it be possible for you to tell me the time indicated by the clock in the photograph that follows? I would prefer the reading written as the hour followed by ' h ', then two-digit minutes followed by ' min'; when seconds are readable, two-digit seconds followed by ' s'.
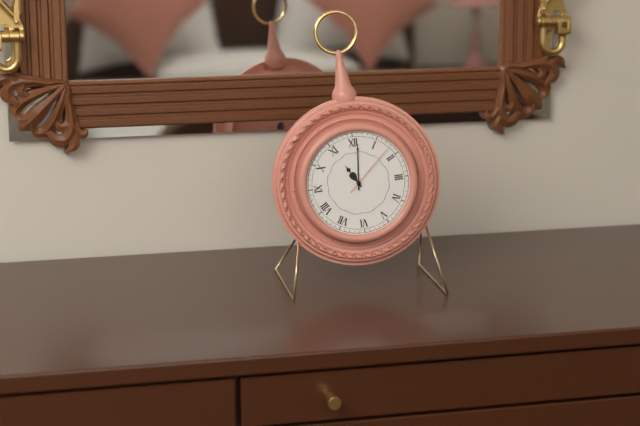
11 h 01 min 08 s
